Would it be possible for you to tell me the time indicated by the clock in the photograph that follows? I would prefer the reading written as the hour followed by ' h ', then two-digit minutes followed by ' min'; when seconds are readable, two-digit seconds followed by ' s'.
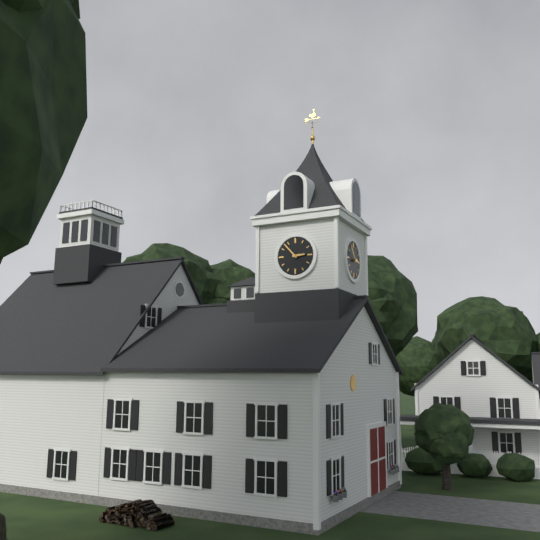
2 h 53 min
